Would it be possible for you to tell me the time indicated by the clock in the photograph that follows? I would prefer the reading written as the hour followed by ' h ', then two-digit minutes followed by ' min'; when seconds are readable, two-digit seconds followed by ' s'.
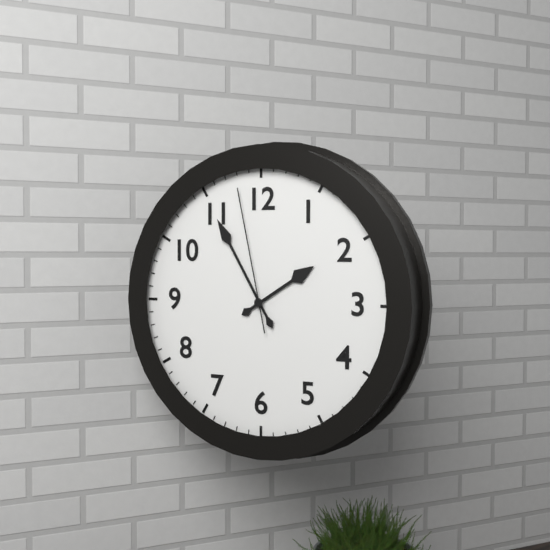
1 h 55 min 58 s
